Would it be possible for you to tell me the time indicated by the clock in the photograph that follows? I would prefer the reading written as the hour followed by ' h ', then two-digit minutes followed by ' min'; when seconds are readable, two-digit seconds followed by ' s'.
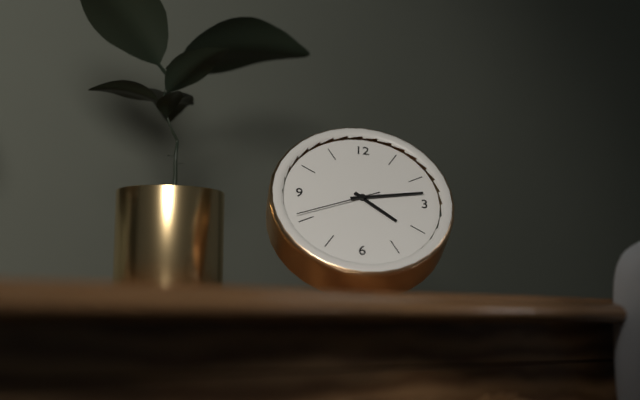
4 h 13 min 41 s
